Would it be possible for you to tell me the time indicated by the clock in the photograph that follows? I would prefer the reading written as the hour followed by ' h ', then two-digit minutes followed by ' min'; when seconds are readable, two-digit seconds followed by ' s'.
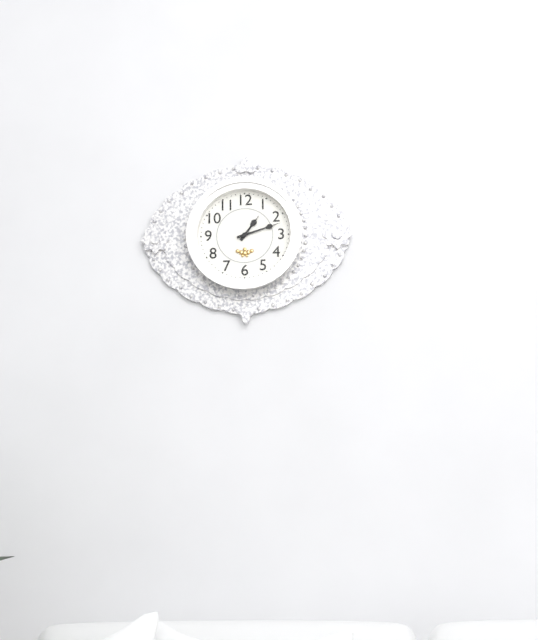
1 h 12 min
